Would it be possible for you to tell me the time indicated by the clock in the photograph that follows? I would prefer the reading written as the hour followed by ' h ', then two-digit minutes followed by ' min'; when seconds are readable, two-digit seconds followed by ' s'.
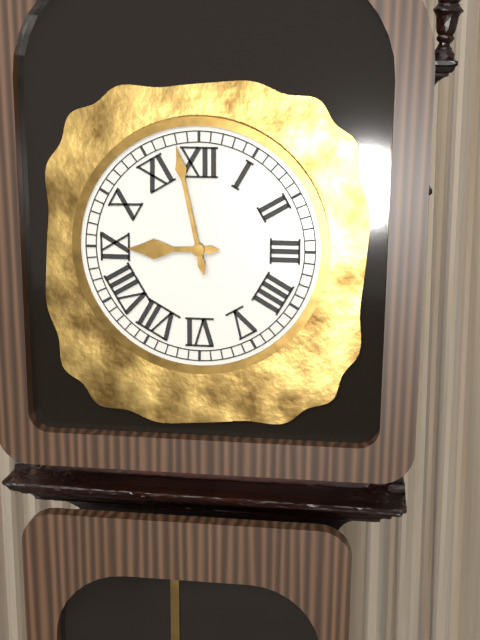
8 h 58 min
